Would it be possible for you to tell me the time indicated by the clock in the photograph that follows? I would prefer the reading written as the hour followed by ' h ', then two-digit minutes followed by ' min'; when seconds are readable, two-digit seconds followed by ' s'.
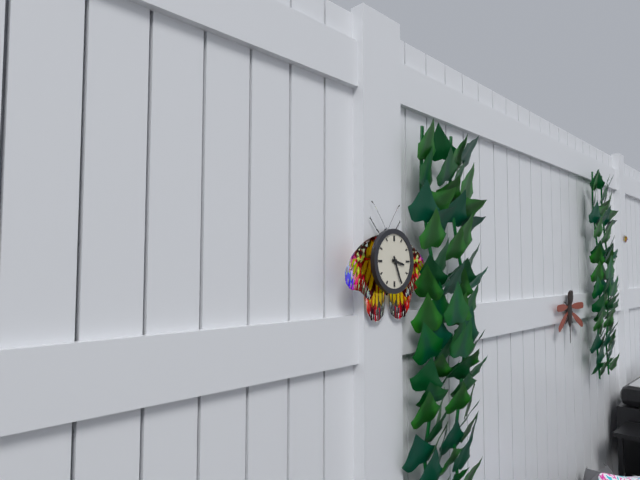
3 h 26 min
